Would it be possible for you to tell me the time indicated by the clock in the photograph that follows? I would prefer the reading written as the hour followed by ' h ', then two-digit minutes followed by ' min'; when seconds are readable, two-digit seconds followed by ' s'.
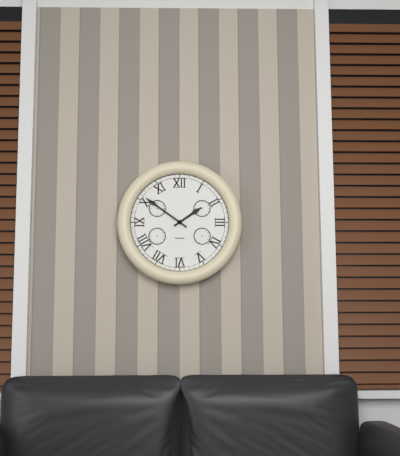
1 h 51 min
